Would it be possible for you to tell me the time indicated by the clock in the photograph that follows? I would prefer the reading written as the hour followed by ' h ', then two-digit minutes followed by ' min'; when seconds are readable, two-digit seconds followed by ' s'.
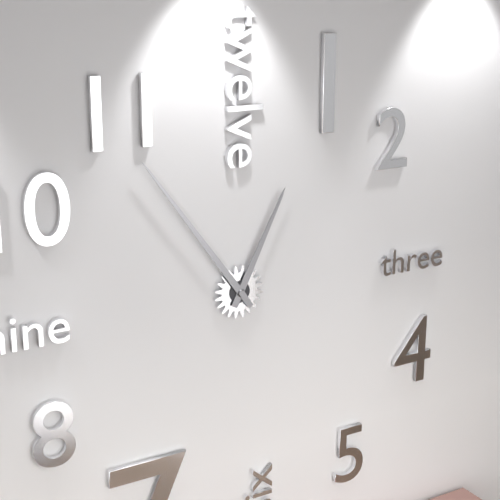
12 h 54 min
